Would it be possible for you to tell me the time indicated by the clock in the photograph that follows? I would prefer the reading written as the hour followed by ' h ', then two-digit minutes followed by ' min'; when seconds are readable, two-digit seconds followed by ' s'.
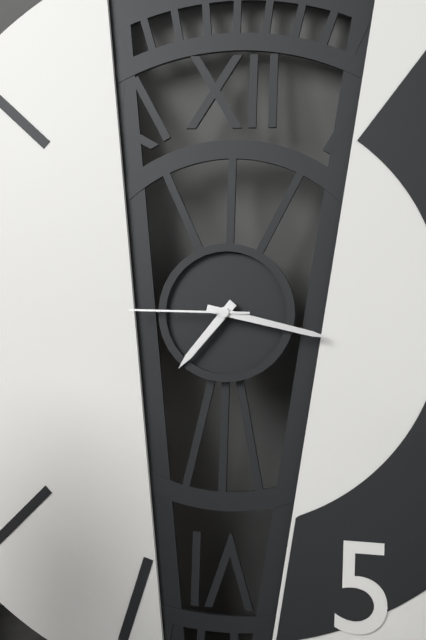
7 h 17 min 45 s
